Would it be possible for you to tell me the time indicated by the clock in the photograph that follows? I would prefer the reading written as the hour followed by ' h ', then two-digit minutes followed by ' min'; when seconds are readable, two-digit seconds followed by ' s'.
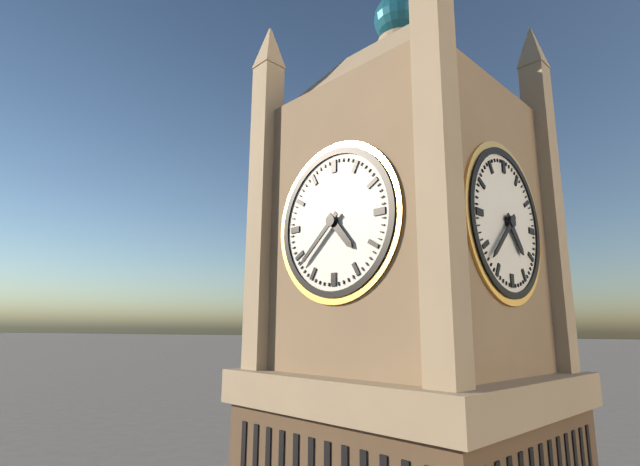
4 h 38 min
